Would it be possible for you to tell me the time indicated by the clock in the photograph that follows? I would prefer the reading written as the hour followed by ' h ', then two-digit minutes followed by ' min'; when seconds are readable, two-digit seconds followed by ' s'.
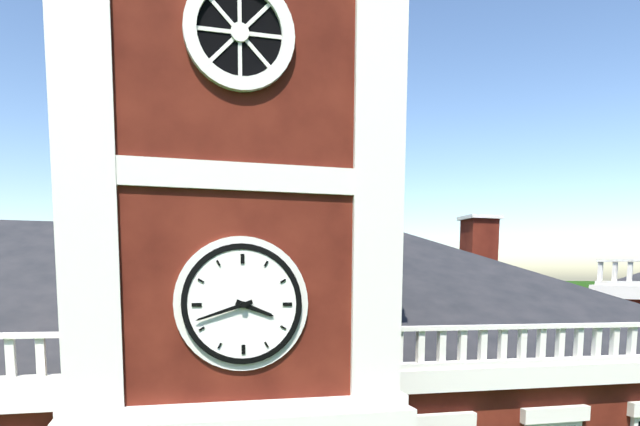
3 h 42 min
